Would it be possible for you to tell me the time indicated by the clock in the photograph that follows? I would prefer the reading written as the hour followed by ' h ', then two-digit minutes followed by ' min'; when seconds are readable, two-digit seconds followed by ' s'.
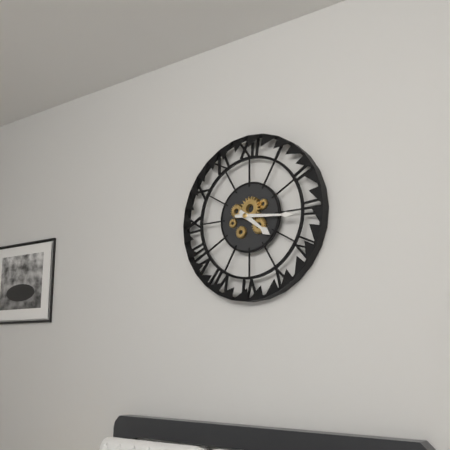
4 h 16 min
